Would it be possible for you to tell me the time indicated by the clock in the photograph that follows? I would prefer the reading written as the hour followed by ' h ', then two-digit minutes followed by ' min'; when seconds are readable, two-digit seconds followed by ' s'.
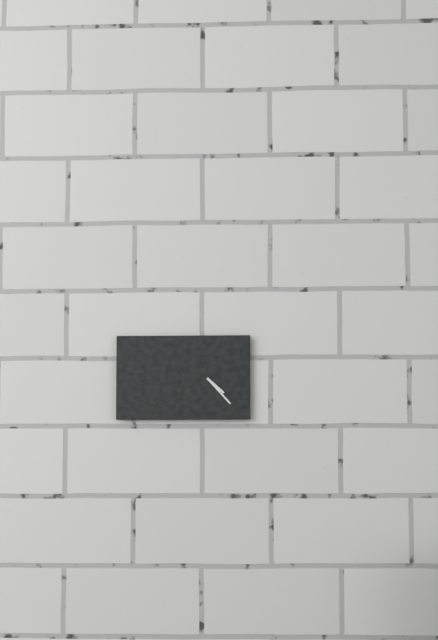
4 h 23 min
